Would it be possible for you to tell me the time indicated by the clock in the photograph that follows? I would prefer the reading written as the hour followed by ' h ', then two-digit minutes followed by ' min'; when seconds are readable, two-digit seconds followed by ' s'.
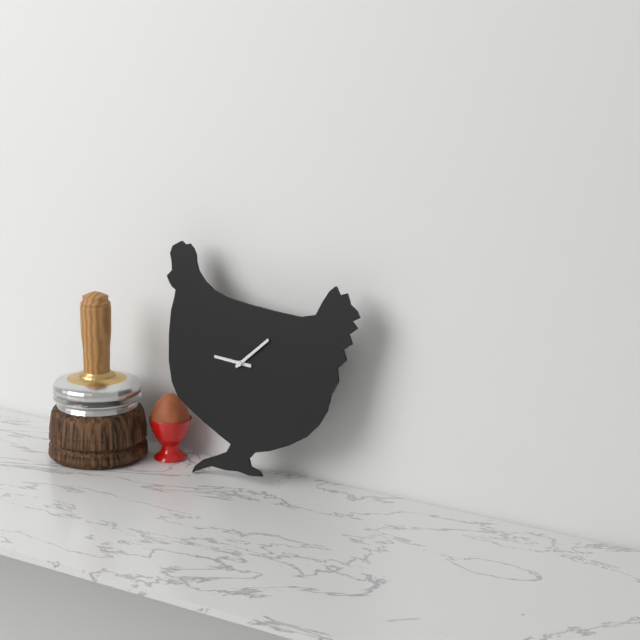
9 h 08 min
